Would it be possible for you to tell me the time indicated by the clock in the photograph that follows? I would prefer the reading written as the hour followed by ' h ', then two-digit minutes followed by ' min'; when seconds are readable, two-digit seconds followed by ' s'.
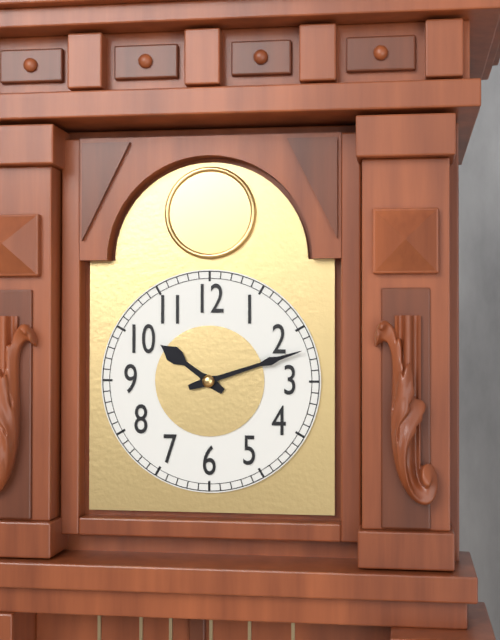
10 h 12 min
